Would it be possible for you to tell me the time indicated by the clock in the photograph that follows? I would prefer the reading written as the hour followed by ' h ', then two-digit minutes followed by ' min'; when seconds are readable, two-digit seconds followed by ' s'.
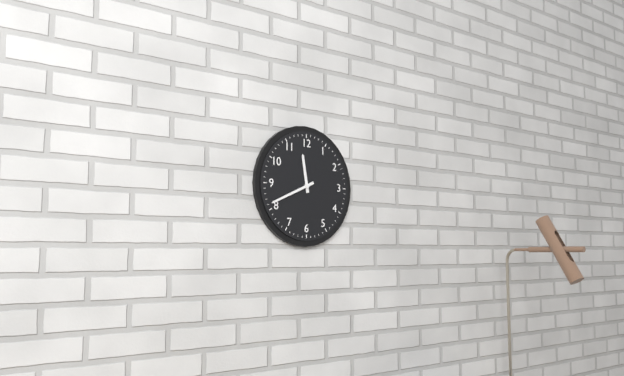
11 h 41 min
